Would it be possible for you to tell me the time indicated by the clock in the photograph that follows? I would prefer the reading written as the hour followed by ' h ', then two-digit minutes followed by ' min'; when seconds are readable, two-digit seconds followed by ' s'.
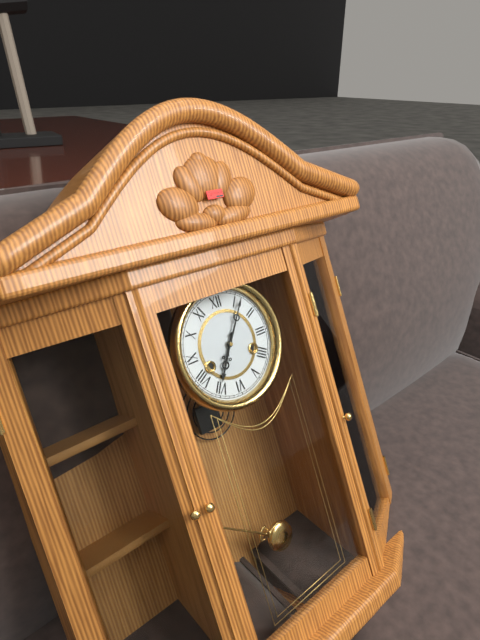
7 h 06 min
